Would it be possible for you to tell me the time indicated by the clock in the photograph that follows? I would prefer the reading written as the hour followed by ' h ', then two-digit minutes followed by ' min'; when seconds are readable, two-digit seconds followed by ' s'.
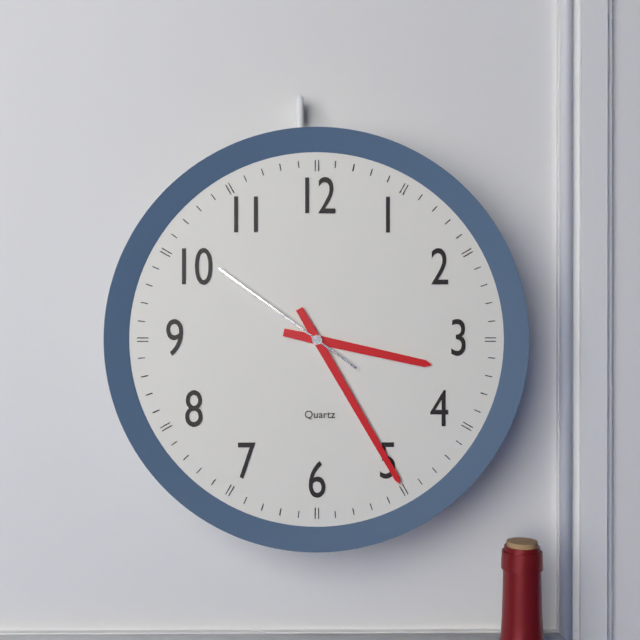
3 h 25 min 51 s
